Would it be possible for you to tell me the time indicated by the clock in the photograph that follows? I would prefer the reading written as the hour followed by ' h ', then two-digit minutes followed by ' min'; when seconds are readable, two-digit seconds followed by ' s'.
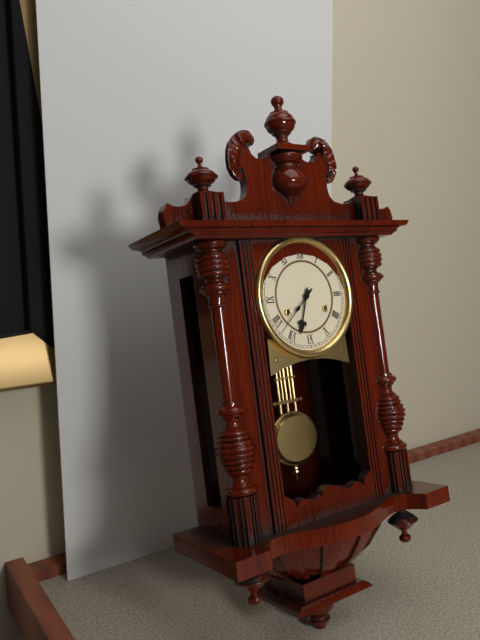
6 h 38 min
